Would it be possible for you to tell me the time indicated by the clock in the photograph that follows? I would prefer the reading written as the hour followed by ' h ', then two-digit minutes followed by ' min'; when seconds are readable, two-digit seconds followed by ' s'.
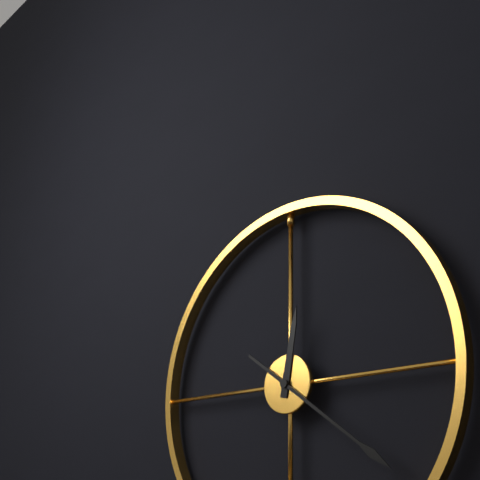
12 h 21 min
